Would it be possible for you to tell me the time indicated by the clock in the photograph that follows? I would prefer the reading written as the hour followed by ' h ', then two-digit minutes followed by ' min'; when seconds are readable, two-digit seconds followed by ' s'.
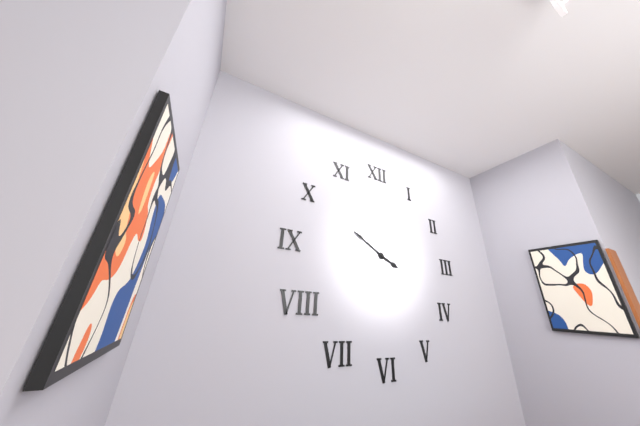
3 h 50 min
